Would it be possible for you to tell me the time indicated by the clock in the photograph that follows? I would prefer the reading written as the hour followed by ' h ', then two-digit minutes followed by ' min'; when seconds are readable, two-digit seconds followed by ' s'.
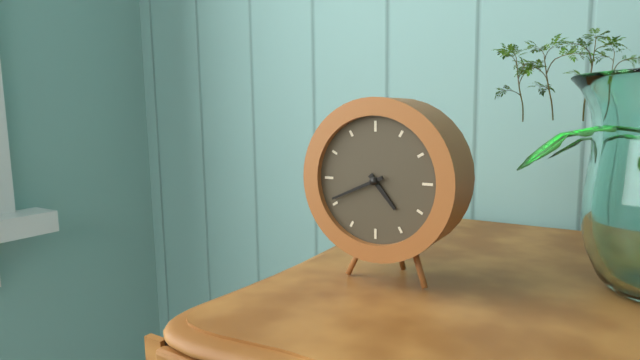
4 h 41 min
